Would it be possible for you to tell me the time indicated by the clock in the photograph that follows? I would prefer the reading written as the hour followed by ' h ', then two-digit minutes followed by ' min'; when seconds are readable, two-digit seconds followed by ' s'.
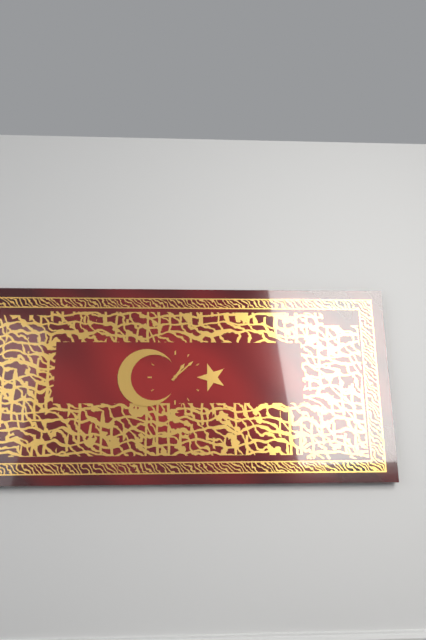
1 h 08 min
